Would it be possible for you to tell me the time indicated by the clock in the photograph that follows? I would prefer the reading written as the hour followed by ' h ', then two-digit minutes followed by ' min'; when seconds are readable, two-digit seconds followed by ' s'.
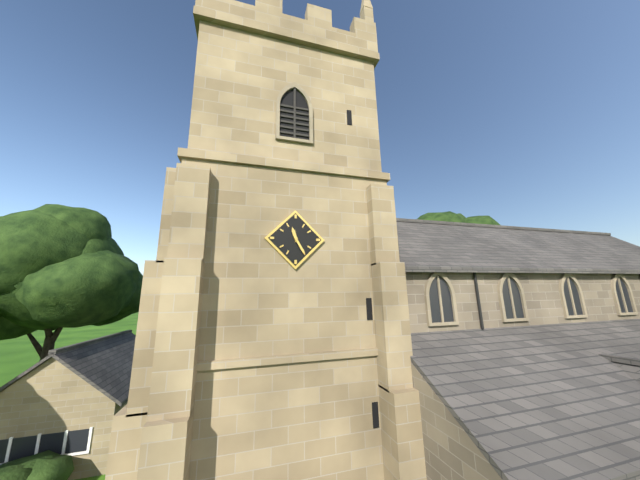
11 h 25 min
